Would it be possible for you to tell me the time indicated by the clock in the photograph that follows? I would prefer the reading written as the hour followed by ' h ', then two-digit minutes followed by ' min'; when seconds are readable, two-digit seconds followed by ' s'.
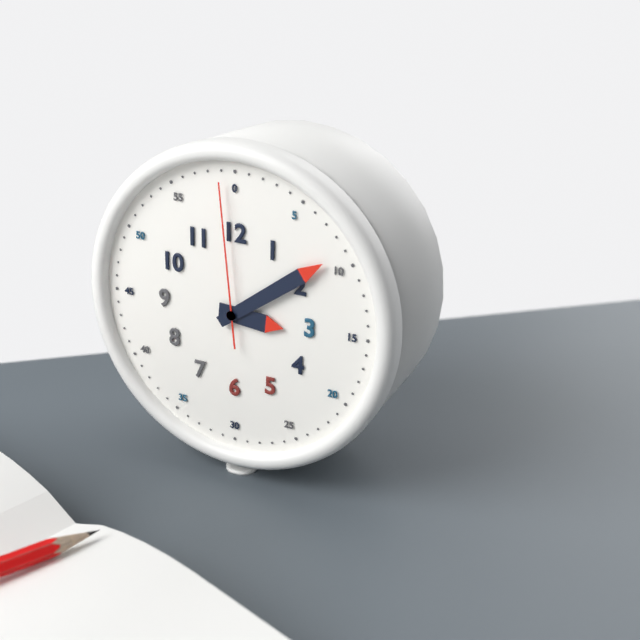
3 h 09 min 59 s
